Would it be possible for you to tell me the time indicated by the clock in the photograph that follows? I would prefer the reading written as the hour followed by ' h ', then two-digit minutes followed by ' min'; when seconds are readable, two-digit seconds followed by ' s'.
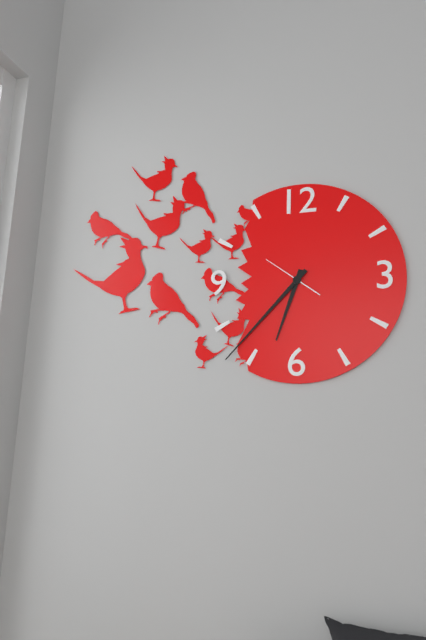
6 h 37 min
